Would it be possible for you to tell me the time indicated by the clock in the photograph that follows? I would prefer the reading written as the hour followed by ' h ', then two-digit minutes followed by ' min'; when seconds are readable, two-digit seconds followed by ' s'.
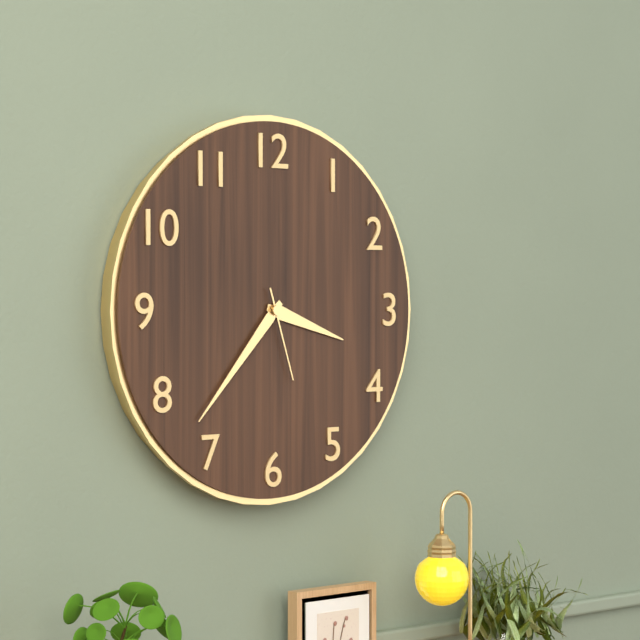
3 h 37 min 27 s
